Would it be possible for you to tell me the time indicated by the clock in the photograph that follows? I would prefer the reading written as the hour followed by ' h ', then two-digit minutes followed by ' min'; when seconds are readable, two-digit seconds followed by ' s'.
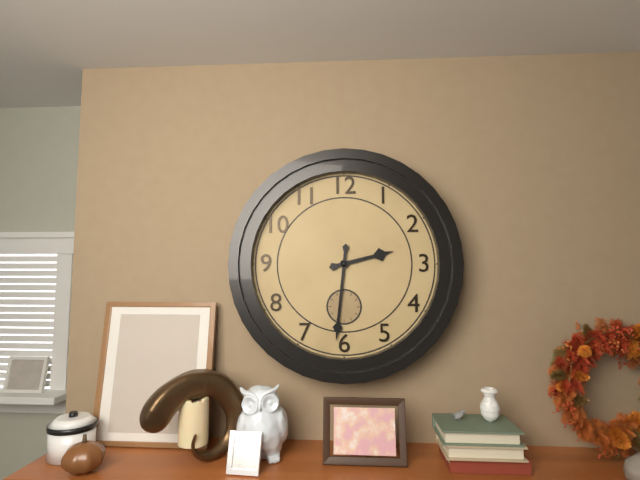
2 h 31 min
